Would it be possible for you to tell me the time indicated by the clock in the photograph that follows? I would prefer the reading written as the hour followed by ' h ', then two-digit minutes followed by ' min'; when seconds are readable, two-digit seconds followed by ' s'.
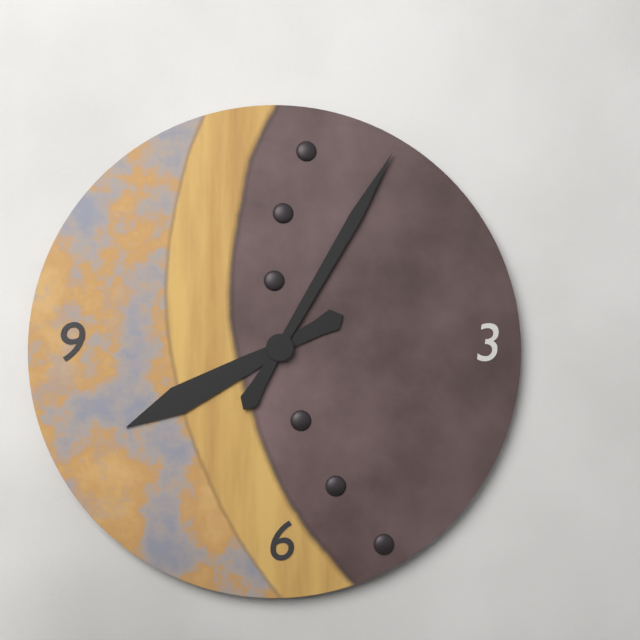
8 h 05 min
